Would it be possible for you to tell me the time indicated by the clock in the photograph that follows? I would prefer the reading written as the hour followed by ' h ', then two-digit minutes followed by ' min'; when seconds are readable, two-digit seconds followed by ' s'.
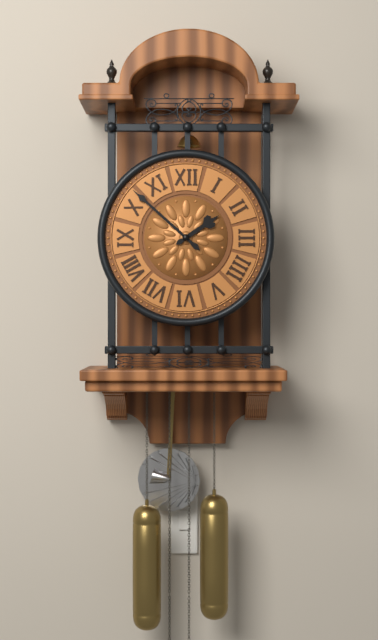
1 h 52 min
